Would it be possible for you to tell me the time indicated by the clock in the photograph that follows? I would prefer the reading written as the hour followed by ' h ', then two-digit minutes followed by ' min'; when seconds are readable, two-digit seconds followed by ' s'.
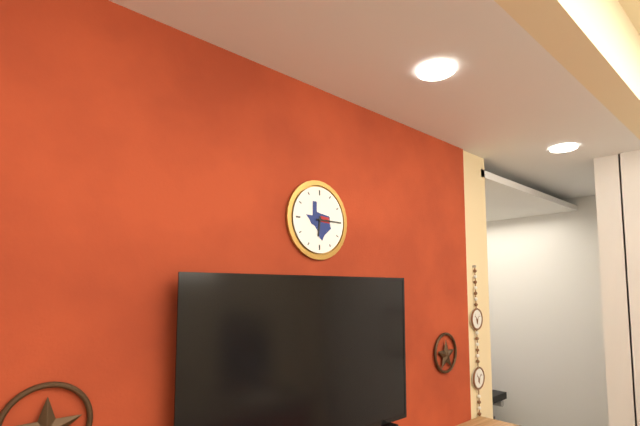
6 h 15 min
